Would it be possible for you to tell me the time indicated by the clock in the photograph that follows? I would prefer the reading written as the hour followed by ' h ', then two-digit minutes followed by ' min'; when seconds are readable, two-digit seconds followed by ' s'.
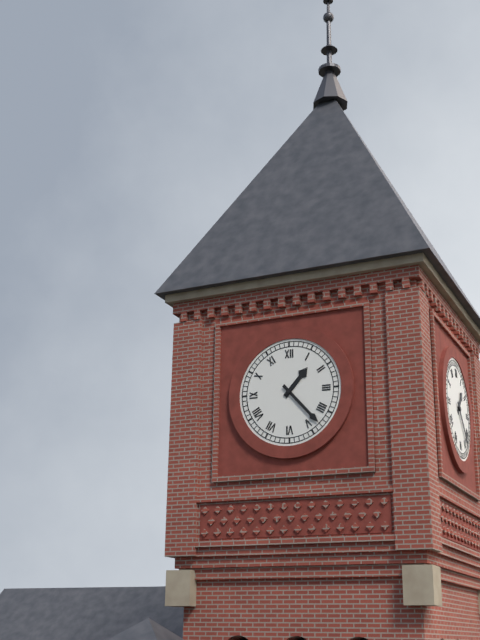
1 h 23 min
